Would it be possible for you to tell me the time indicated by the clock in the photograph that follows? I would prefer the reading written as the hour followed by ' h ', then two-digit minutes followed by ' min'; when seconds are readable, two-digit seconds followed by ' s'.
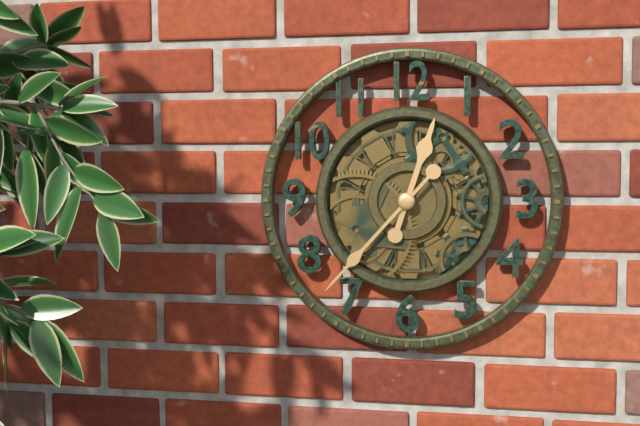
12 h 37 min
